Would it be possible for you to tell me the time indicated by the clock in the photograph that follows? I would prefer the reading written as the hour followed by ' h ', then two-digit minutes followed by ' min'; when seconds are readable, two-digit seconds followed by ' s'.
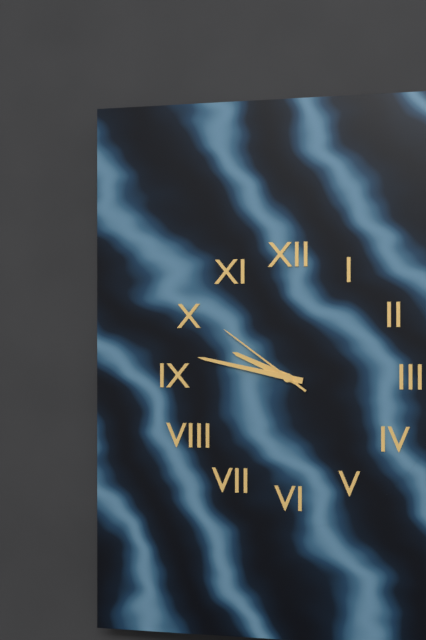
9 h 47 min 51 s
